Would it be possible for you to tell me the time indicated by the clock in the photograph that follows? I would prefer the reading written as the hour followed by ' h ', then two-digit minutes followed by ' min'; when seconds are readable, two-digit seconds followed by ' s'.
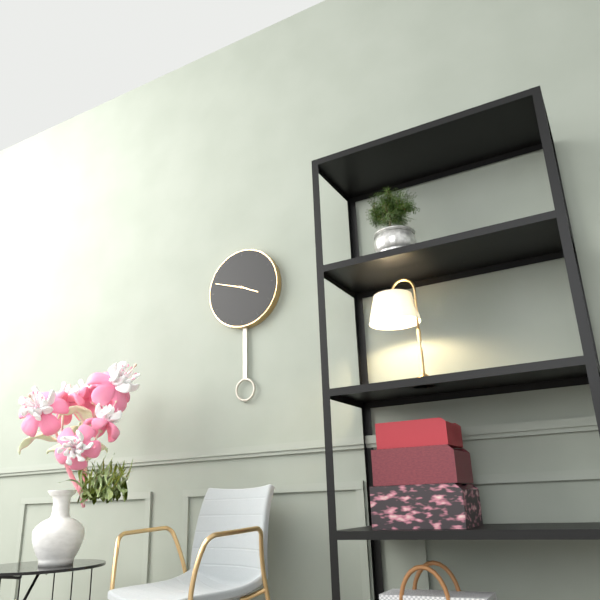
3 h 48 min
